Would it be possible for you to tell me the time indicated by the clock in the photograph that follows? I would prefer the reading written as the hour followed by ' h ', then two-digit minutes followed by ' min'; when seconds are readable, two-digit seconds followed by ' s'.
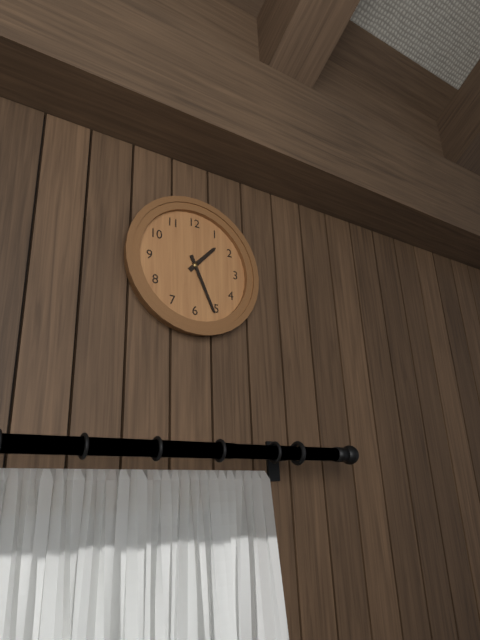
1 h 26 min
